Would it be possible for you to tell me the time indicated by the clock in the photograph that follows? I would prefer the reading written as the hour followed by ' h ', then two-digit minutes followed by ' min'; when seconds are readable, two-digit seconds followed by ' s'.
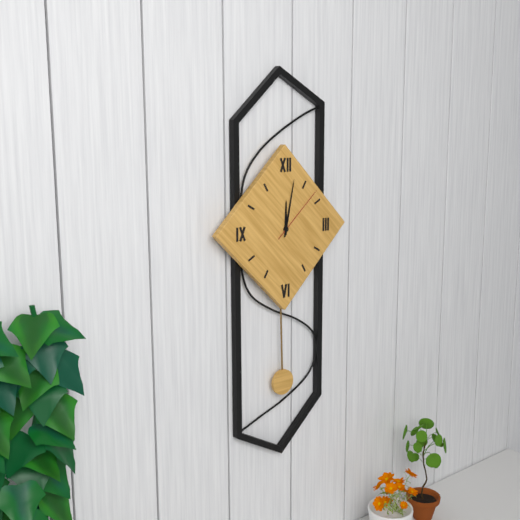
12 h 02 min 08 s
